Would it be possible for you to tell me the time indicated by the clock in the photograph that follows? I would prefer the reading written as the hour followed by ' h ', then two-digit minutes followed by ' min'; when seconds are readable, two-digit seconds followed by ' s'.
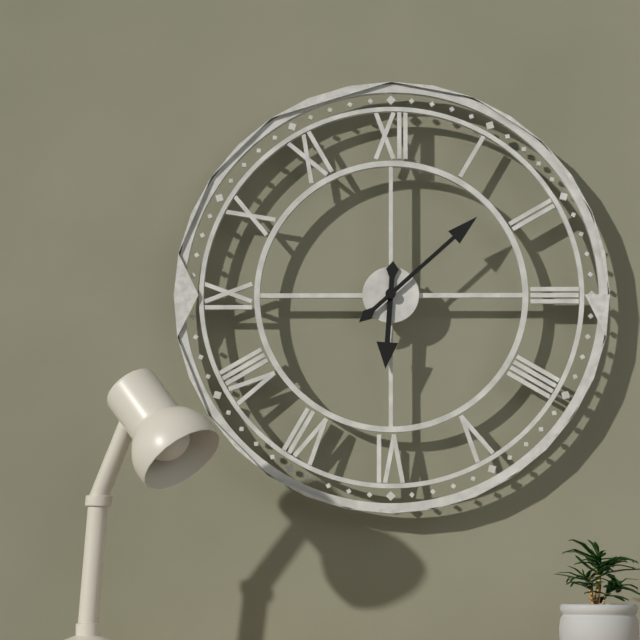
6 h 08 min
